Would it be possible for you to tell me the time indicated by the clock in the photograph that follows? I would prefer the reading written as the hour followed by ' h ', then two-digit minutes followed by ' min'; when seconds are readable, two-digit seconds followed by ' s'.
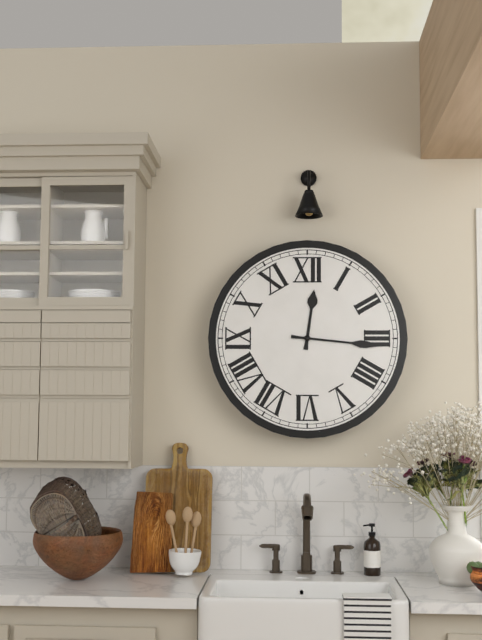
12 h 16 min
